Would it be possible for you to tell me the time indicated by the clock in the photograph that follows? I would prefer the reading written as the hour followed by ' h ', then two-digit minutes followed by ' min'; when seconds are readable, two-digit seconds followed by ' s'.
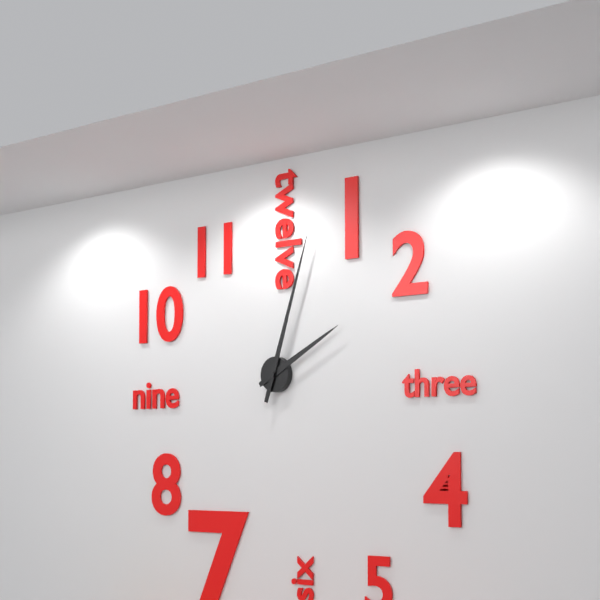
2 h 03 min
